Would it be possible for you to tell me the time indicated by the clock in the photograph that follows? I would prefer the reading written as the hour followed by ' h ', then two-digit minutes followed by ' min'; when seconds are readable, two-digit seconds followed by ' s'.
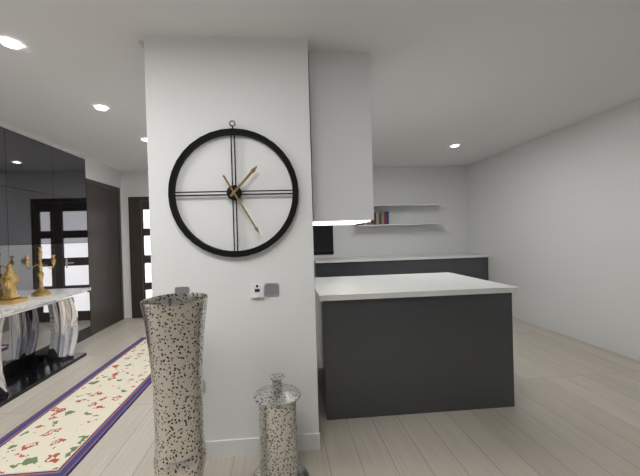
1 h 25 min
